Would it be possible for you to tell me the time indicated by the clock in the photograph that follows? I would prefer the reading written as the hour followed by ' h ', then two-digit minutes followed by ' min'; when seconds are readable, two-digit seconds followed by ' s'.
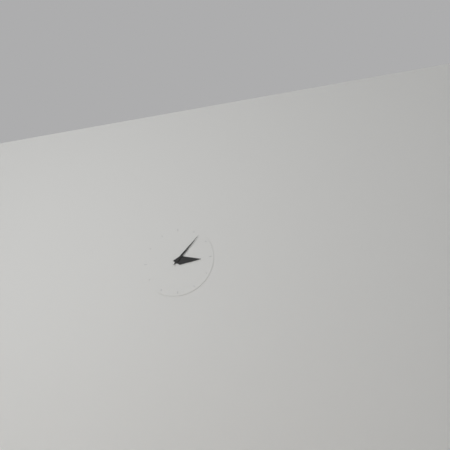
3 h 07 min
